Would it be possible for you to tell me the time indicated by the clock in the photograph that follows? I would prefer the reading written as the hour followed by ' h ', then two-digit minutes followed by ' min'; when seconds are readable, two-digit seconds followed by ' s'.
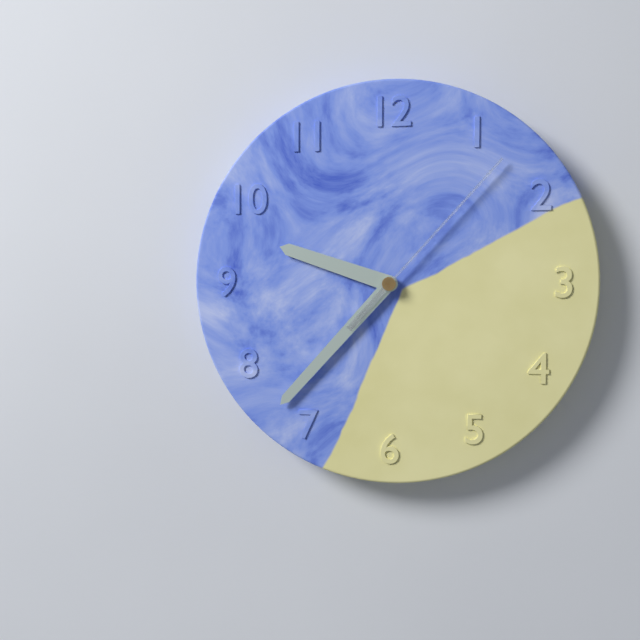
9 h 37 min 07 s
